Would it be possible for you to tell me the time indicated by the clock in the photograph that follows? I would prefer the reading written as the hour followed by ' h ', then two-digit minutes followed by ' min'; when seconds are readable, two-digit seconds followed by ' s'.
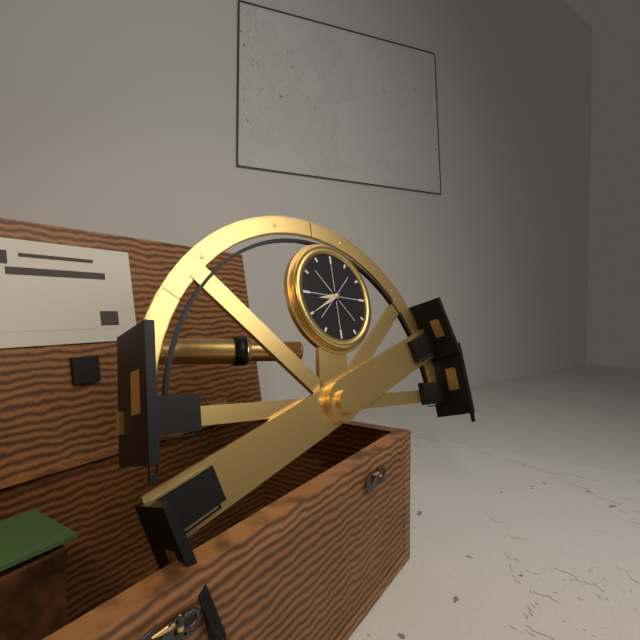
8 h 40 min
